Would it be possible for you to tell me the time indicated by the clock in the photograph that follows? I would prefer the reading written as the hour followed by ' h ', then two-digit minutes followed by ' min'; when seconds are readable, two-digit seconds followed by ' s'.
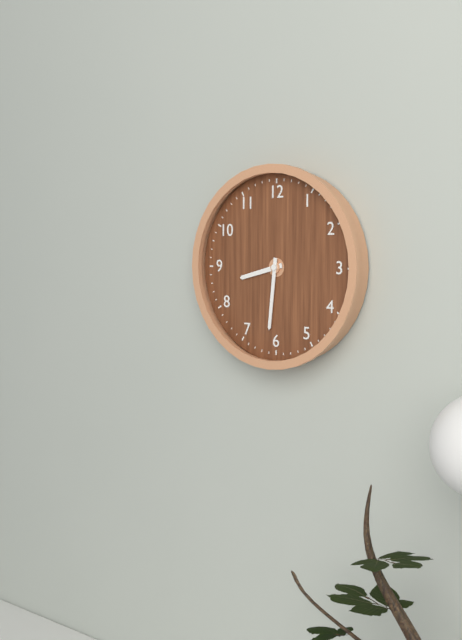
8 h 31 min
